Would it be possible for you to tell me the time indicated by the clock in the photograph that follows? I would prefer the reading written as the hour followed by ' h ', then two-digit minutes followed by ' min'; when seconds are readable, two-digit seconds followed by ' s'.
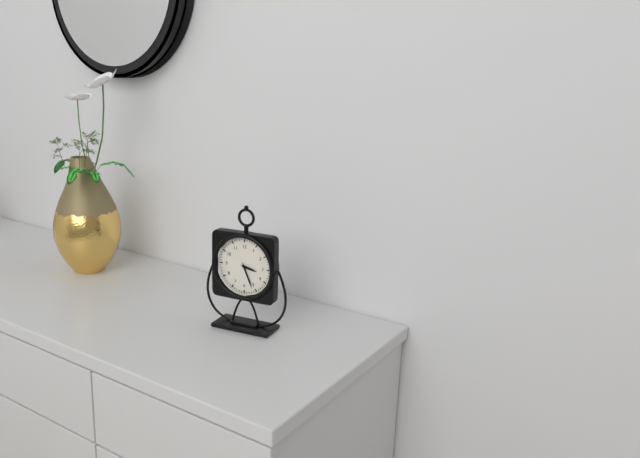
3 h 26 min
